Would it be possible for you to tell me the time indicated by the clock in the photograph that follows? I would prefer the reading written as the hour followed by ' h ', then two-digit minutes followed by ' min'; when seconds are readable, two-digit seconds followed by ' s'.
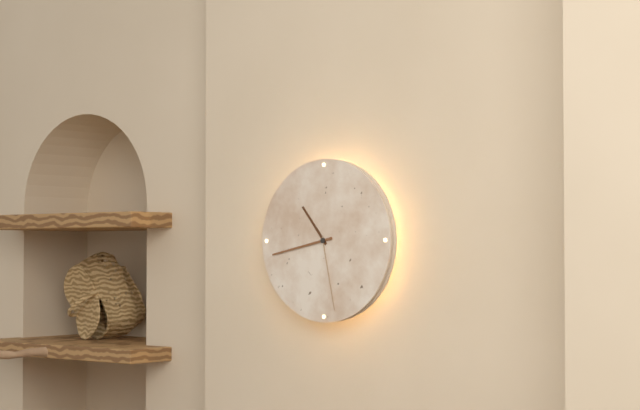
10 h 43 min 28 s
